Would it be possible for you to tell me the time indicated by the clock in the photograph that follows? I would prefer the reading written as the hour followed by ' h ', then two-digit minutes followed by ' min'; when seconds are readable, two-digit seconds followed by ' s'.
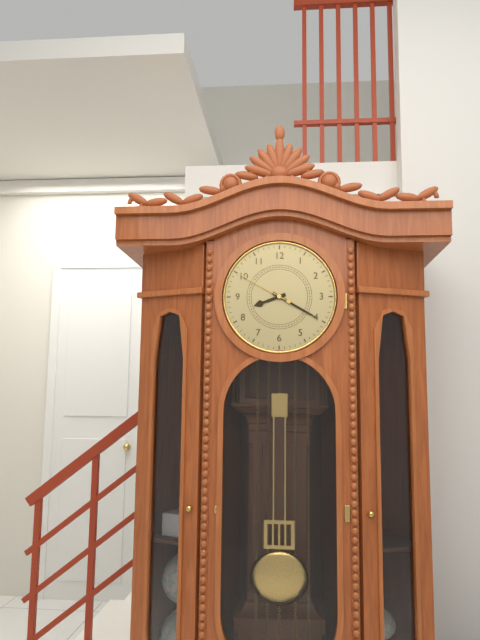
8 h 20 min 50 s
